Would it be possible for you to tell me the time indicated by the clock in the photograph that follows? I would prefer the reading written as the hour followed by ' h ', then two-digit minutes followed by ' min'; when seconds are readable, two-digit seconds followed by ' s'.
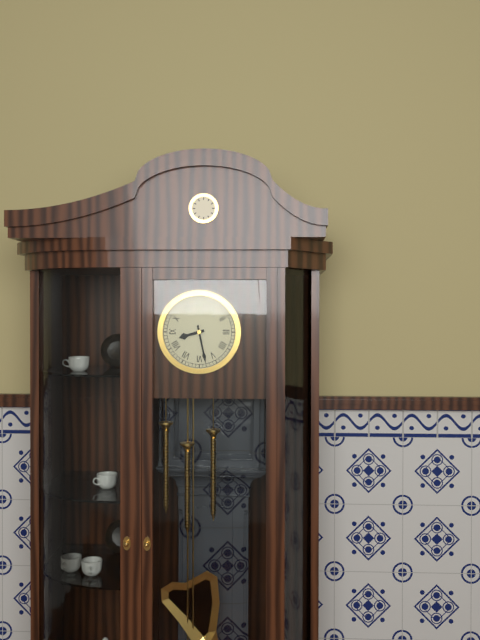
8 h 28 min
